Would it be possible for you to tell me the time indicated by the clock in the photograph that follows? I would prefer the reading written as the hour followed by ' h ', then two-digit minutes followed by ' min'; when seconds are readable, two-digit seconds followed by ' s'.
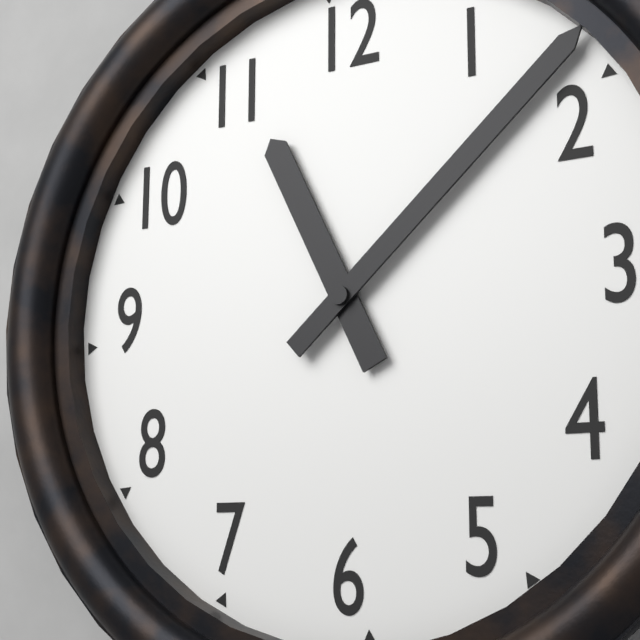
11 h 08 min
